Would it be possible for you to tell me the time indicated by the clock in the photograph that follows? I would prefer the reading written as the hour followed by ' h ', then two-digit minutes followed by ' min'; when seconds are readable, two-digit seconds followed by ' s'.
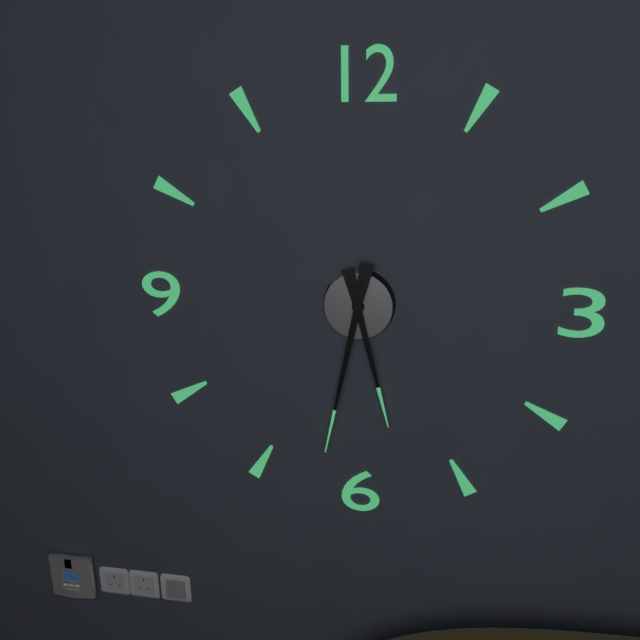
5 h 32 min
